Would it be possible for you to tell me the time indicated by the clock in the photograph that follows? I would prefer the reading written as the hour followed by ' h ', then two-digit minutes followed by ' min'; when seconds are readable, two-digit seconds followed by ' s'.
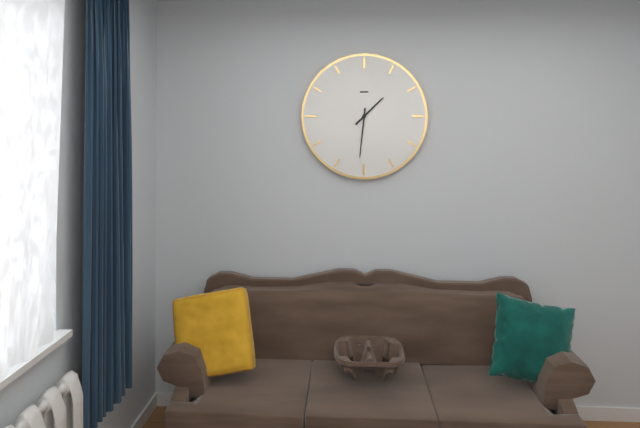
1 h 31 min
